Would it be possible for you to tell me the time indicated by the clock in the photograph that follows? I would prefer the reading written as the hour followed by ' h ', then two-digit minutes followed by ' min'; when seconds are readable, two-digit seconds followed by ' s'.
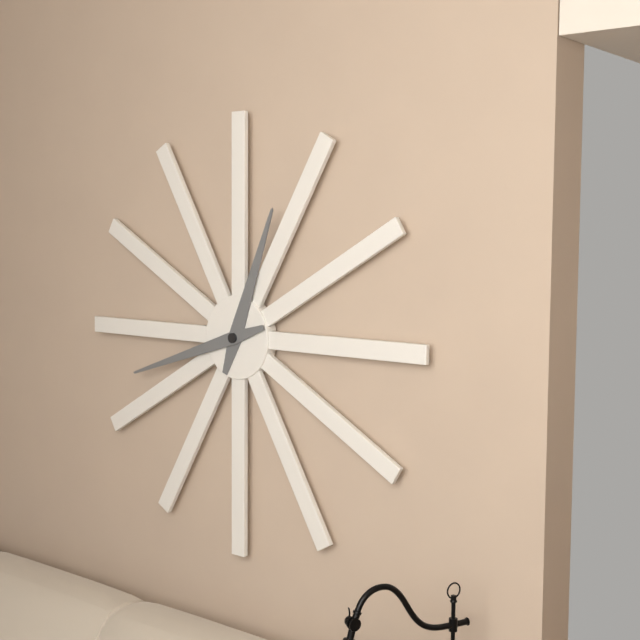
12 h 42 min
